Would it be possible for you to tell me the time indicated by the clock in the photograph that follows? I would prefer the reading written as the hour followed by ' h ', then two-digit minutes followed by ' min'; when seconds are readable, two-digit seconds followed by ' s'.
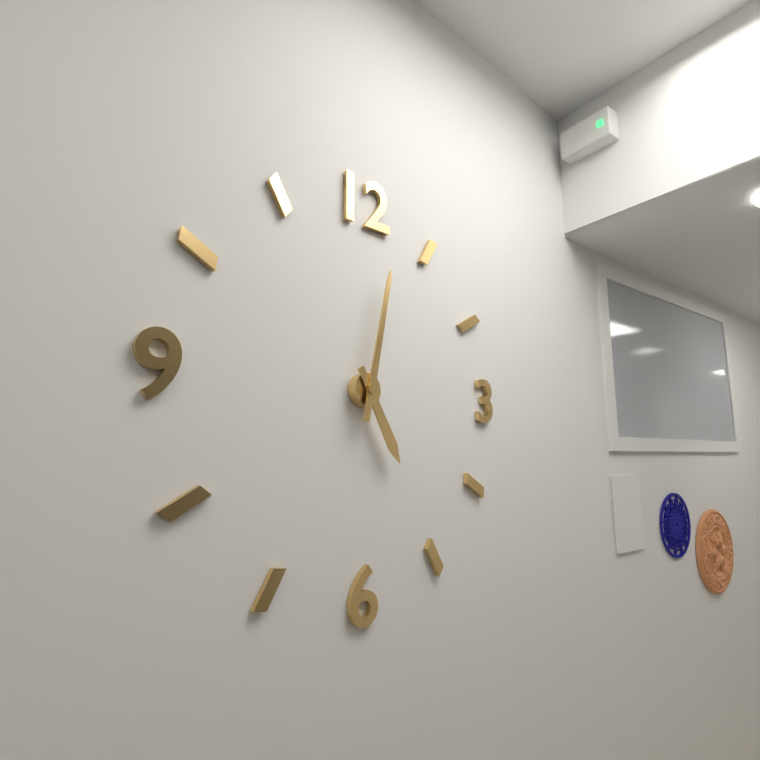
5 h 02 min
